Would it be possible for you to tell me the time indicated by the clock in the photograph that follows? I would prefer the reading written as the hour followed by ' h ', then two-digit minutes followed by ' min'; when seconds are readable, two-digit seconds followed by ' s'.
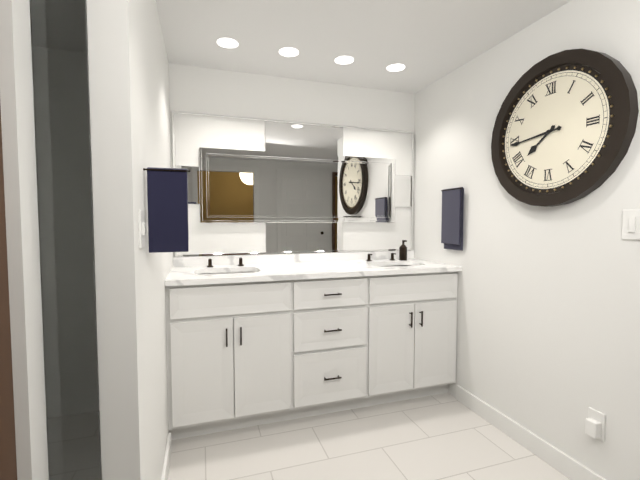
7 h 44 min
